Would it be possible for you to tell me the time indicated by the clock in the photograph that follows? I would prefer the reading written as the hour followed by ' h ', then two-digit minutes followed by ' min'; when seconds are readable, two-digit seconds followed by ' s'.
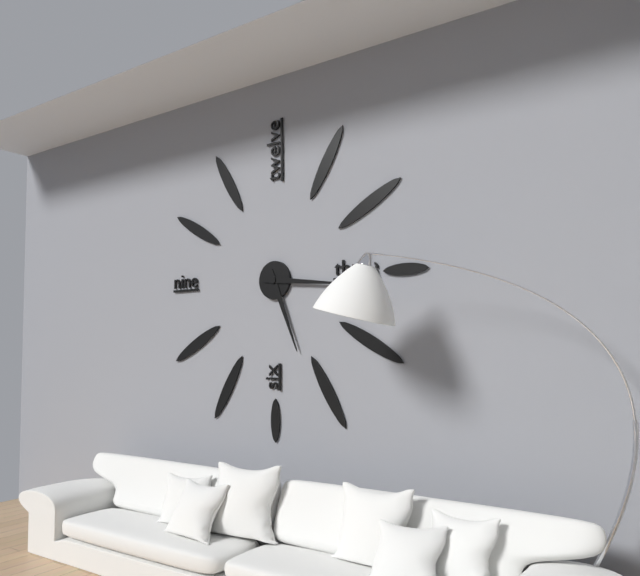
5 h 16 min
